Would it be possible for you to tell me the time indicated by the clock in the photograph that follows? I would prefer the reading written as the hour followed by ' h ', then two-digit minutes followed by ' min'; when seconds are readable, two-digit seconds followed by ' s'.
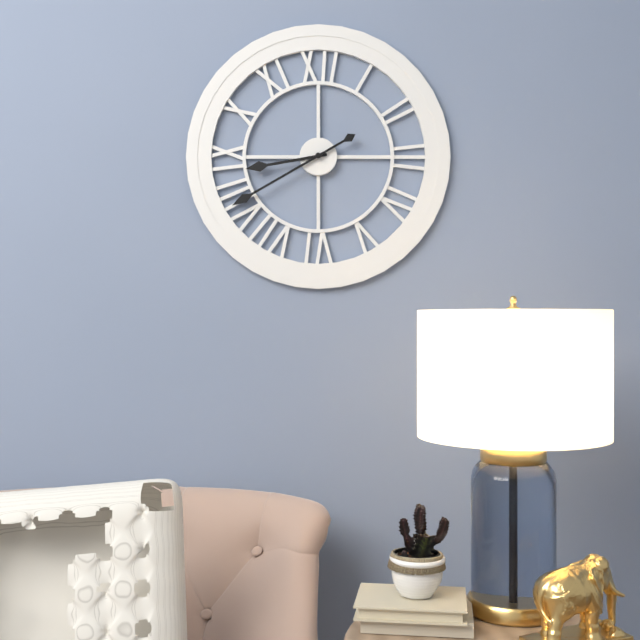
8 h 40 min
